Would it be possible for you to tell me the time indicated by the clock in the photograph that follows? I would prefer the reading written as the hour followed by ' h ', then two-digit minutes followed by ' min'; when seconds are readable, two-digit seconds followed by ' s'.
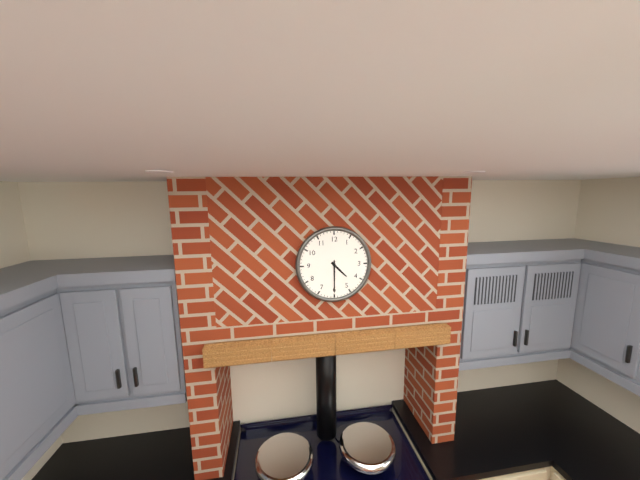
4 h 30 min
